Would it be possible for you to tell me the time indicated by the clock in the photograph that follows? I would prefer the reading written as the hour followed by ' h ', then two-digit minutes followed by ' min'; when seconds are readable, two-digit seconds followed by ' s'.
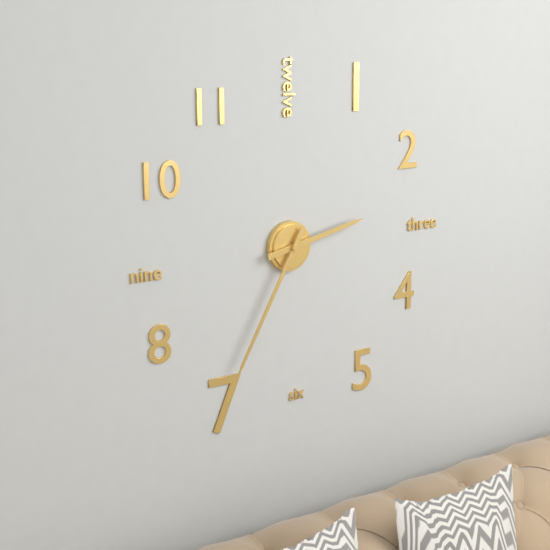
2 h 35 min
